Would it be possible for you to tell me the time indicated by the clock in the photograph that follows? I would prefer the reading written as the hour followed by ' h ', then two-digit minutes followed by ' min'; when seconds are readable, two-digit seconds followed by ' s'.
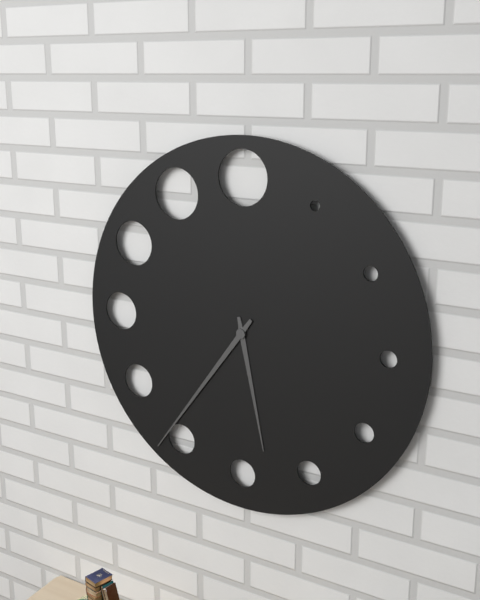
5 h 36 min
